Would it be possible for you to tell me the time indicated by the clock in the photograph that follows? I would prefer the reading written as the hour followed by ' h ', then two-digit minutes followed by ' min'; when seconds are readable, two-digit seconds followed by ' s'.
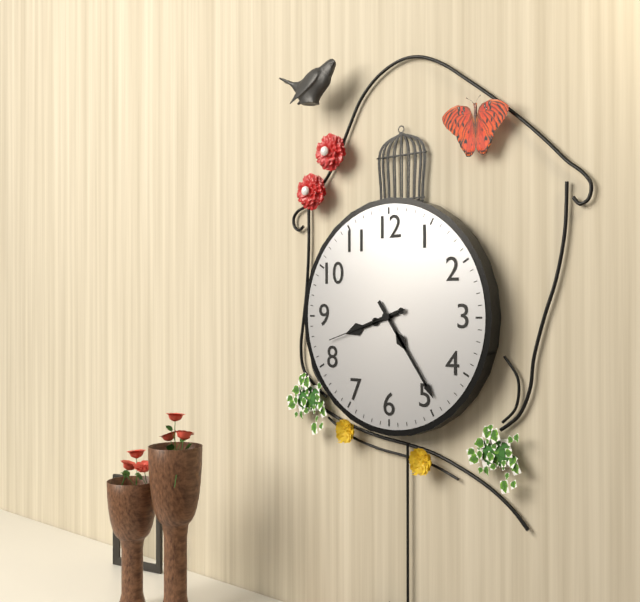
8 h 24 min 42 s
